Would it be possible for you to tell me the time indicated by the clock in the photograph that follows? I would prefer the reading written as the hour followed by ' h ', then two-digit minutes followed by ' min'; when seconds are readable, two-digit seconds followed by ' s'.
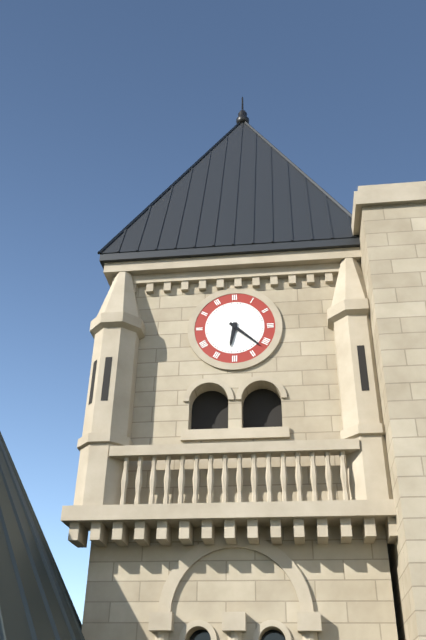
6 h 22 min
